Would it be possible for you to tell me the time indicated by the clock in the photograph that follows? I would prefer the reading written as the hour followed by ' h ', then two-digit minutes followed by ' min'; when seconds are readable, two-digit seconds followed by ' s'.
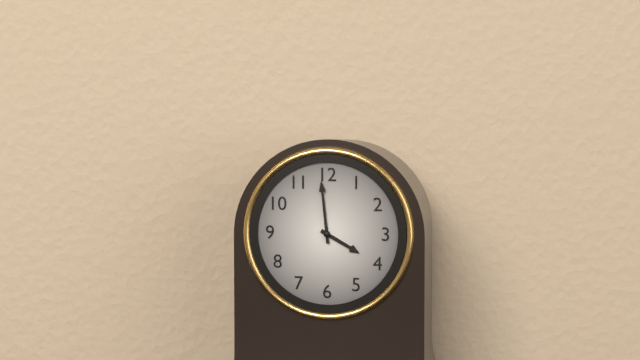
3 h 59 min
